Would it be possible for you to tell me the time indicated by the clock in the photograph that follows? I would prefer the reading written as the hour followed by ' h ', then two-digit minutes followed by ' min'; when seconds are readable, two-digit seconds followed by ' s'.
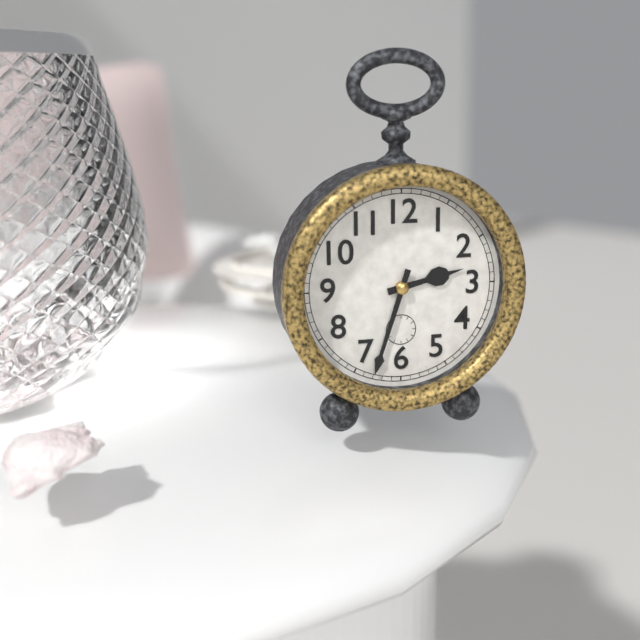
2 h 33 min
